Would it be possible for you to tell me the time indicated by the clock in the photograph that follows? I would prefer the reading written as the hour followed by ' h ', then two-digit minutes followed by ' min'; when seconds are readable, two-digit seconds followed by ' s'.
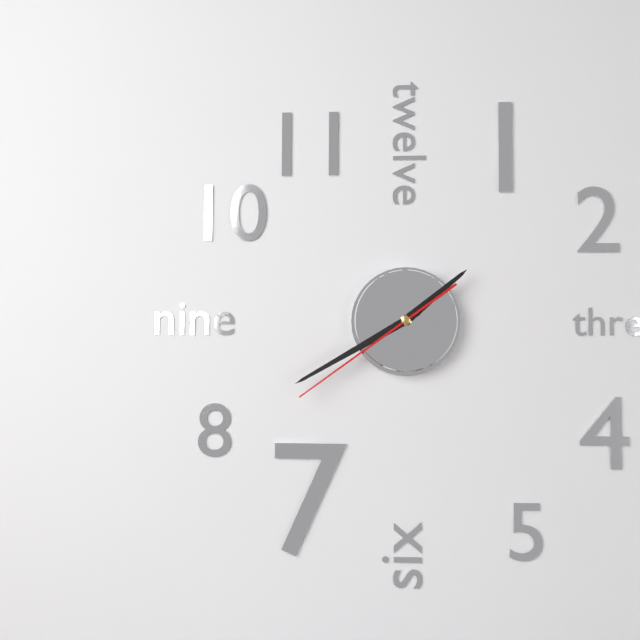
1 h 40 min 39 s
